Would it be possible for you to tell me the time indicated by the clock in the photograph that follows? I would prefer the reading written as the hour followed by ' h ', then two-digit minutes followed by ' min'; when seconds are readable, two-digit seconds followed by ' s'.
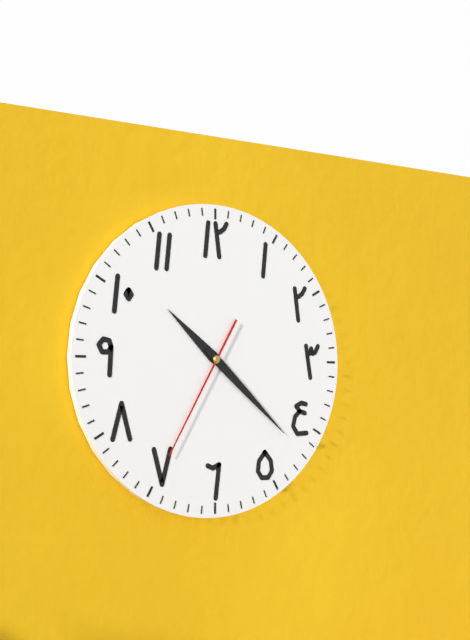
10 h 22 min 35 s
